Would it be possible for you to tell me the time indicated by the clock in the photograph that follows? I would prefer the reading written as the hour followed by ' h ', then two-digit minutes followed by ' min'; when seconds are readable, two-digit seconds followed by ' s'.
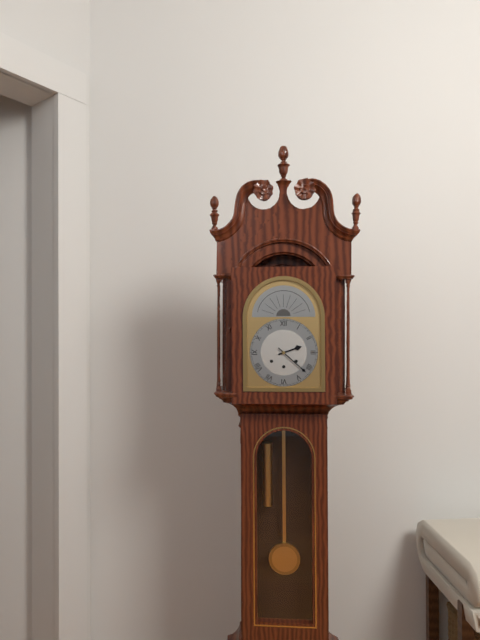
2 h 22 min
